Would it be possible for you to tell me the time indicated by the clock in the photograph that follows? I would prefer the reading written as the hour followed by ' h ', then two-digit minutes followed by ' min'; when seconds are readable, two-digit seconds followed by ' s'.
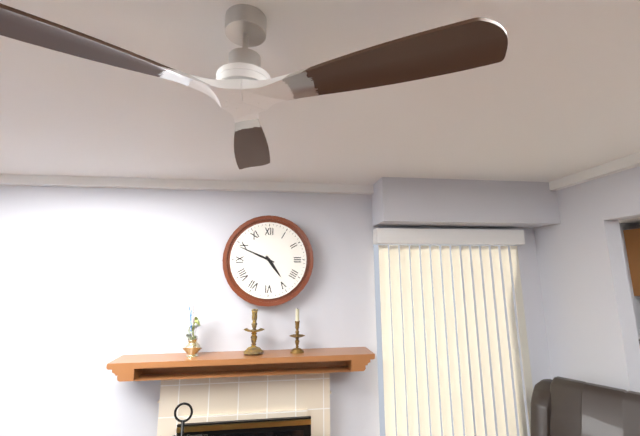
4 h 49 min
